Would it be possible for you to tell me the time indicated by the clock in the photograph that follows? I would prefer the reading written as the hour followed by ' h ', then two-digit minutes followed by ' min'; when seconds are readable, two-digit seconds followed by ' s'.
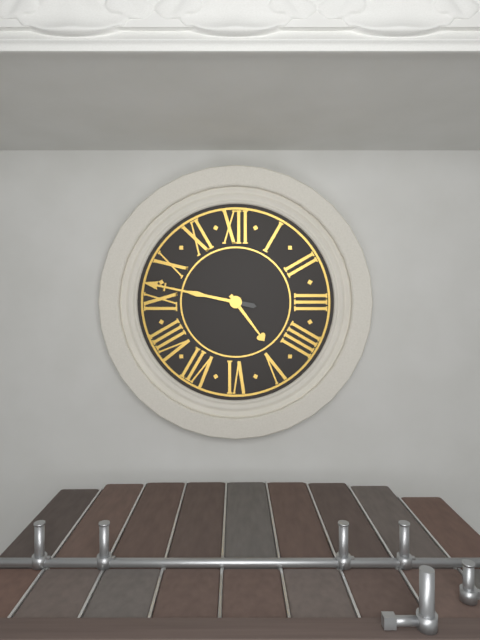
4 h 47 min
